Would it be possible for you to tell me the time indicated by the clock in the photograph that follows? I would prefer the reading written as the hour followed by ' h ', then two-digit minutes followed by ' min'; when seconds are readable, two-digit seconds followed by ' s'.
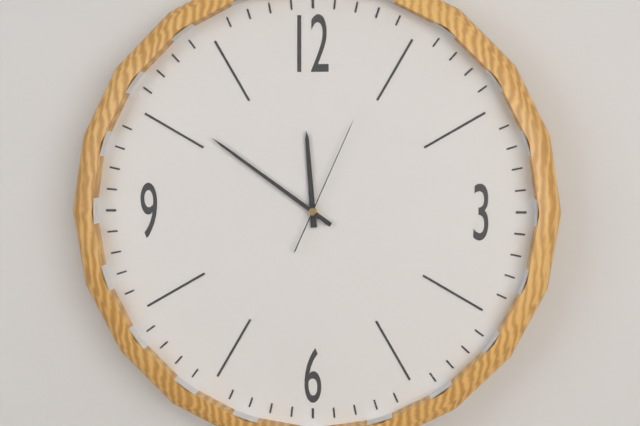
11 h 51 min 04 s
